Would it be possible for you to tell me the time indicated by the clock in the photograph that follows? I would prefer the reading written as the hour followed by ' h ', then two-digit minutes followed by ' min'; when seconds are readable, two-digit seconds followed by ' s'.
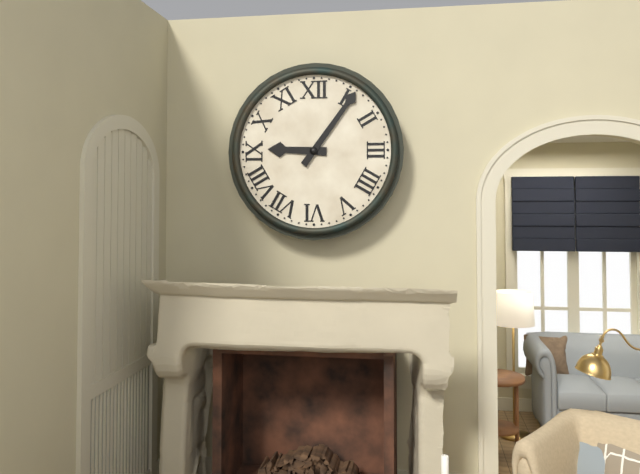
9 h 06 min
